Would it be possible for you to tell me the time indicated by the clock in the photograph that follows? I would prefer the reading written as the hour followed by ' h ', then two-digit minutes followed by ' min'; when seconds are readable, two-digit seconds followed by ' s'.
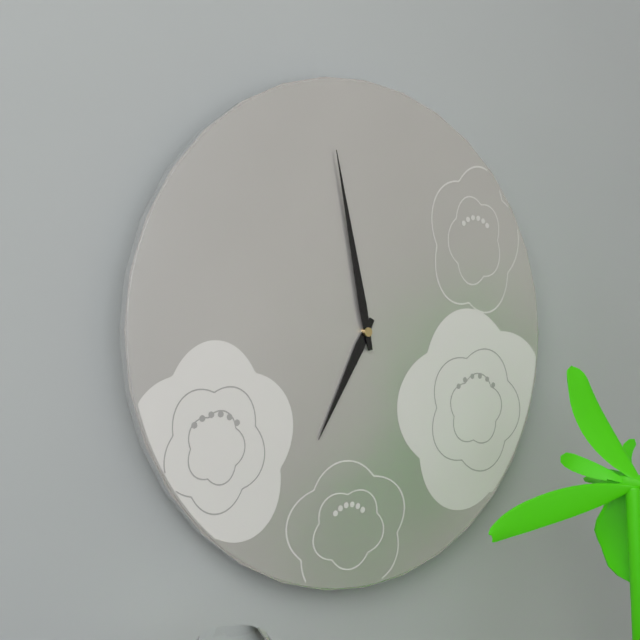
6 h 58 min
